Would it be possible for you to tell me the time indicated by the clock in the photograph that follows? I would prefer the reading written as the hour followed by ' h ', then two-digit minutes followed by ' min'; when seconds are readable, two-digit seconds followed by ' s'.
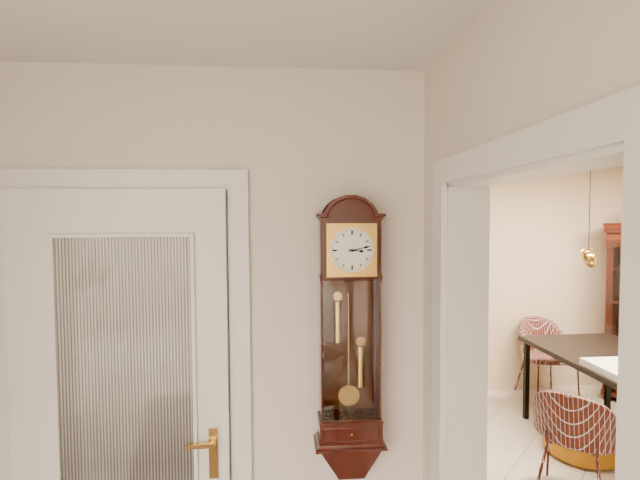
3 h 13 min
